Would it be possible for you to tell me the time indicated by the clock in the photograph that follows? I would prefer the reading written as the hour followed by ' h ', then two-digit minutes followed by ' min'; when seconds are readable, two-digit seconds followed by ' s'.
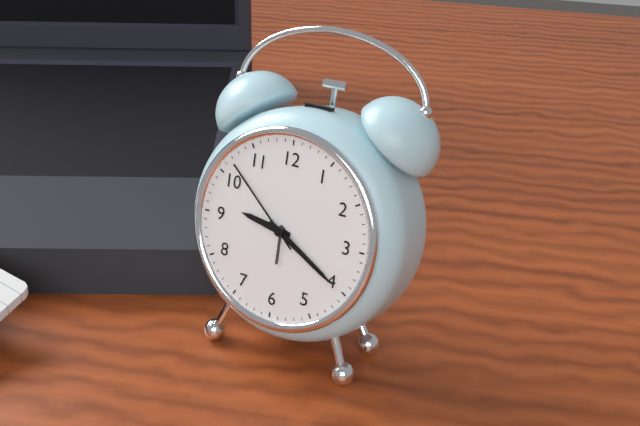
9 h 20 min 52 s
